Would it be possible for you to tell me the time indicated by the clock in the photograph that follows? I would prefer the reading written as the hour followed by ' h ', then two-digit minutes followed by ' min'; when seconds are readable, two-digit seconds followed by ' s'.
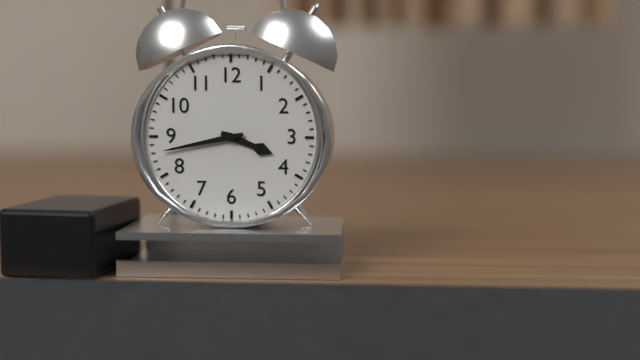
3 h 43 min
